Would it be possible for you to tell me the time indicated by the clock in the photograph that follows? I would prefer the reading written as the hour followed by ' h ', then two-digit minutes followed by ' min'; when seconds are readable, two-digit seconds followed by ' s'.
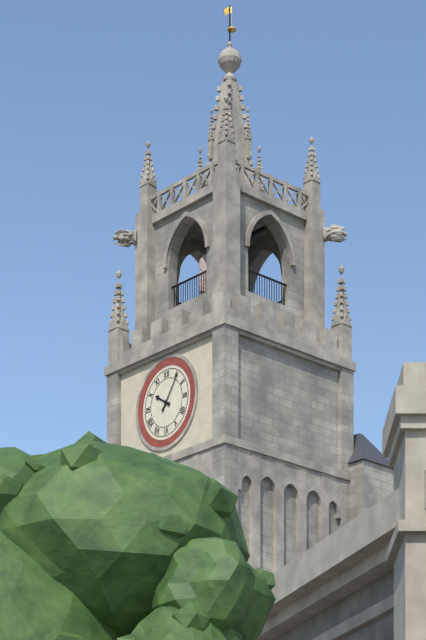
10 h 06 min
